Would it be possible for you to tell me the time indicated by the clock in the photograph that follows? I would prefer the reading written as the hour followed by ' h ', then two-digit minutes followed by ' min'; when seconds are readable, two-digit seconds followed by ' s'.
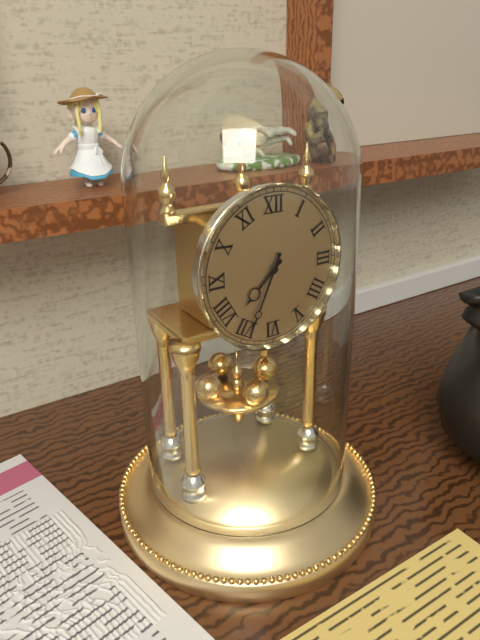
7 h 34 min
